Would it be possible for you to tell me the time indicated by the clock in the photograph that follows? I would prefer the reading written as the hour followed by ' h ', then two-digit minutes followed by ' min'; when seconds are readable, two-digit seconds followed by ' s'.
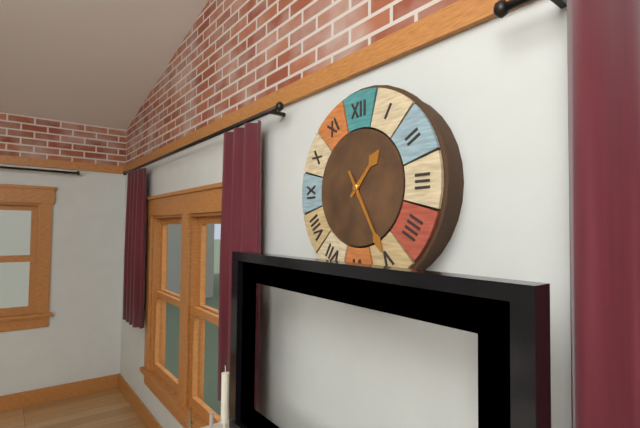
1 h 25 min
